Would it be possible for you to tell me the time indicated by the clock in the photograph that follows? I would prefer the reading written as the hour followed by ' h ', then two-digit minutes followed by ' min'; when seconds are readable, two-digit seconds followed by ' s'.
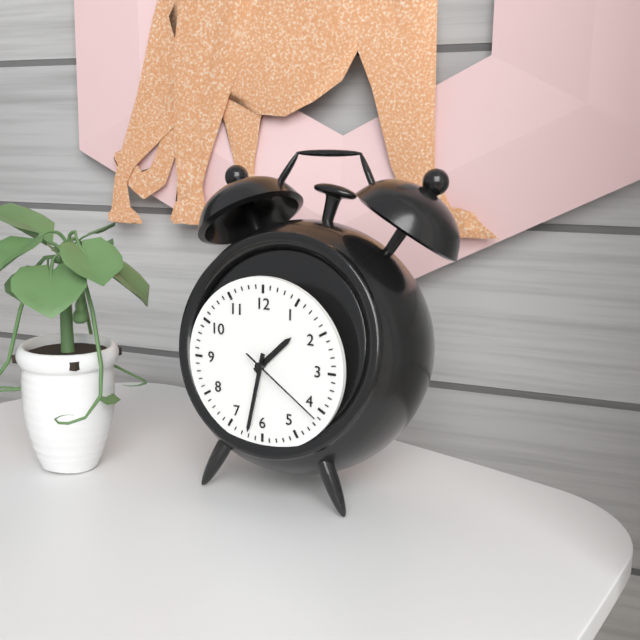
1 h 32 min 21 s
